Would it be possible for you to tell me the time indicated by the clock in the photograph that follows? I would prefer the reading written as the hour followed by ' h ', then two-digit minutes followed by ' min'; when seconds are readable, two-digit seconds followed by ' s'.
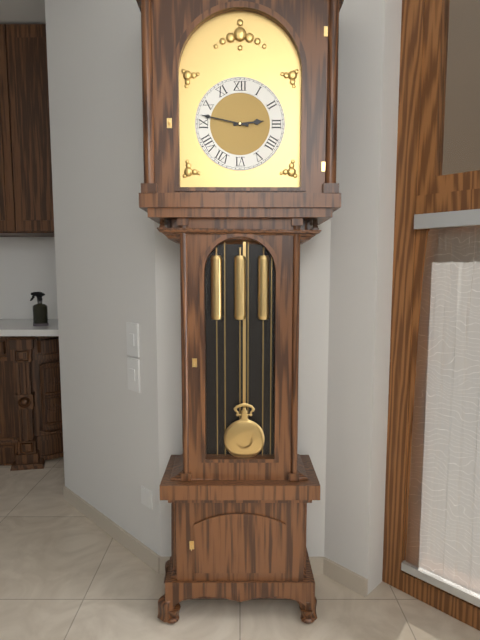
2 h 47 min
